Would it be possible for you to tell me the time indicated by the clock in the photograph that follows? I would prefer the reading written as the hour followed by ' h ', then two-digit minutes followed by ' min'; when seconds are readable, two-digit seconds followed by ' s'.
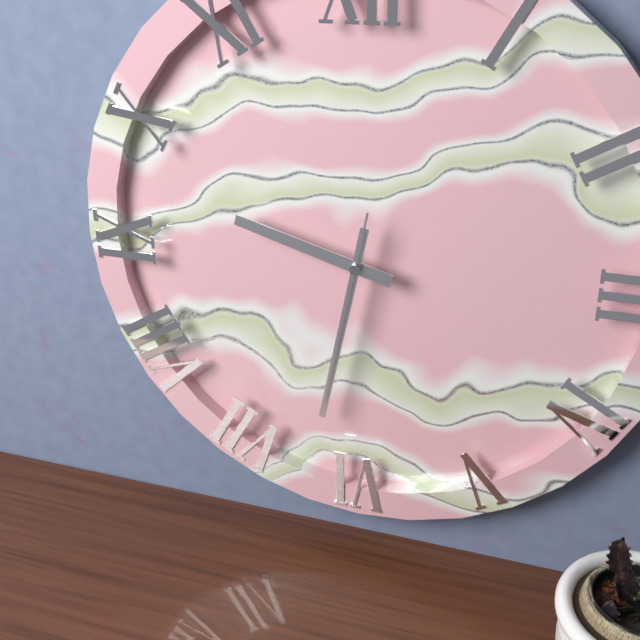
9 h 32 min 32 s
